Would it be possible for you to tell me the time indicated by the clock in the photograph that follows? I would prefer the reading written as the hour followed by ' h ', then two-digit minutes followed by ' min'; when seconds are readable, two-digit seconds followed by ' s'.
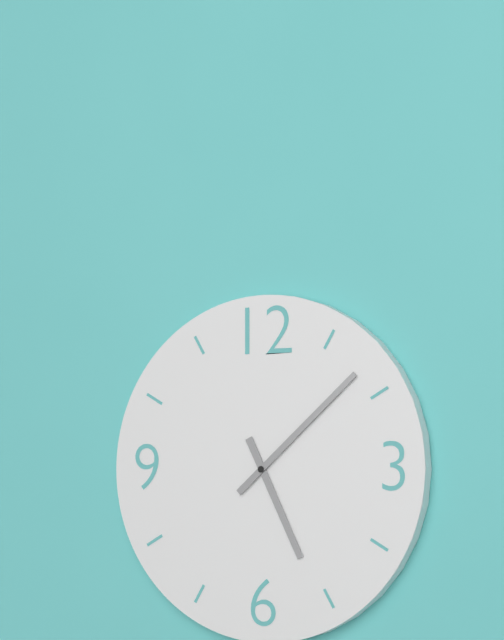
5 h 08 min
